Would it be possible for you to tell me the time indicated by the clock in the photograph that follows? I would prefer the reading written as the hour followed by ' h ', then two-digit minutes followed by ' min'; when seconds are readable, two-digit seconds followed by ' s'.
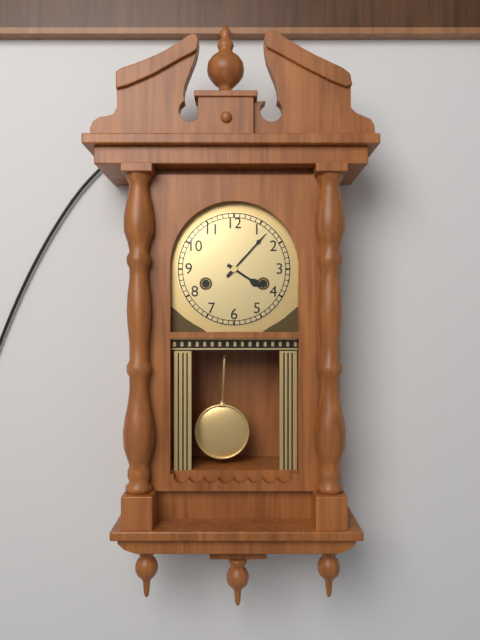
4 h 07 min
